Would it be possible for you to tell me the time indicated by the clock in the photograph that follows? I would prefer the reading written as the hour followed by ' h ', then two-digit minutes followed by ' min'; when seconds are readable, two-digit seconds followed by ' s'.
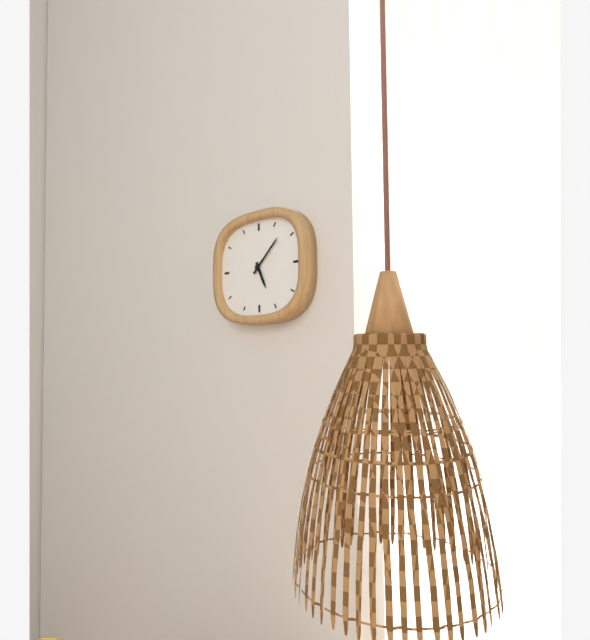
5 h 08 min
